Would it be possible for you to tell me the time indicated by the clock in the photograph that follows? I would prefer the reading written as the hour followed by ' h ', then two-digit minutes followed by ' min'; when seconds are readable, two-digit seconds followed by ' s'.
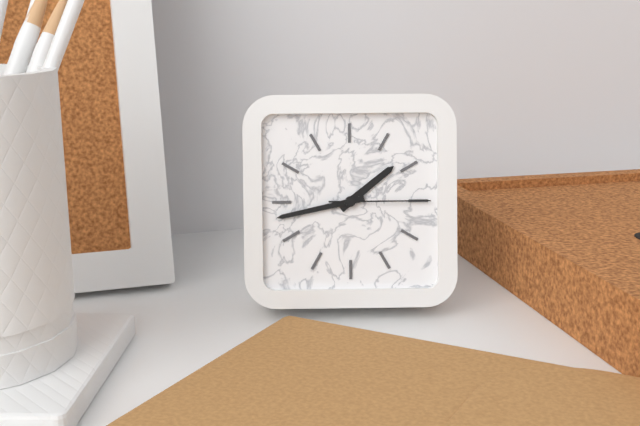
1 h 43 min 15 s
